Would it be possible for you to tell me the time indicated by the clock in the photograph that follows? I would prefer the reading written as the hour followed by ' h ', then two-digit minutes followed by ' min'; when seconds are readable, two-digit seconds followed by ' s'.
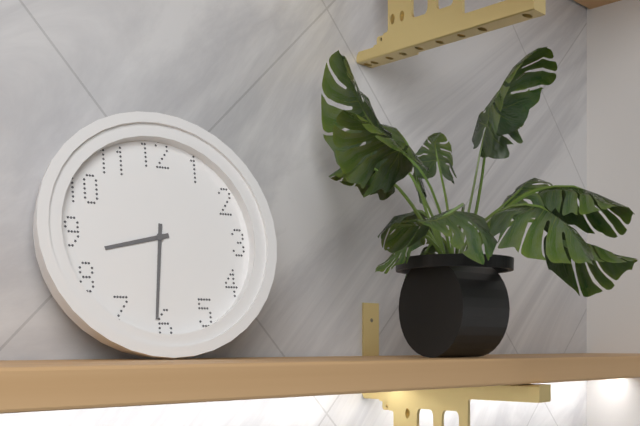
8 h 31 min
